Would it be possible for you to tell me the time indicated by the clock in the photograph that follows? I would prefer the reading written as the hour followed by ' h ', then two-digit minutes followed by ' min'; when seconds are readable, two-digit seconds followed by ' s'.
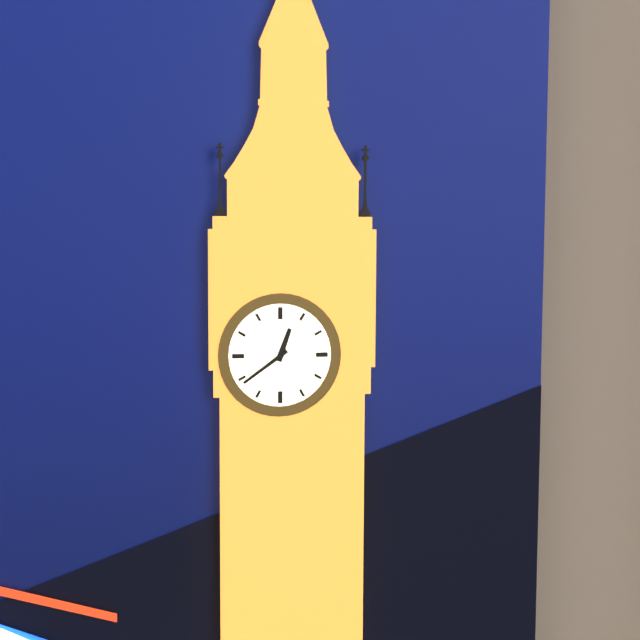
12 h 39 min
